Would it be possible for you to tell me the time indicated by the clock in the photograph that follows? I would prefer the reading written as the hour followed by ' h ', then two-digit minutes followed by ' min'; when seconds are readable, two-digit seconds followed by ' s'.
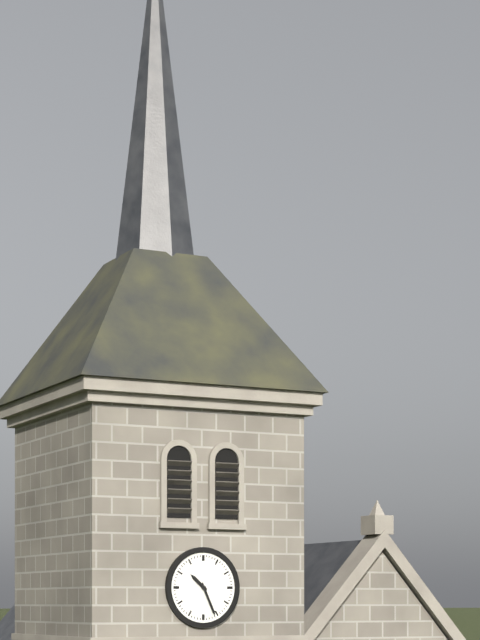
10 h 26 min
